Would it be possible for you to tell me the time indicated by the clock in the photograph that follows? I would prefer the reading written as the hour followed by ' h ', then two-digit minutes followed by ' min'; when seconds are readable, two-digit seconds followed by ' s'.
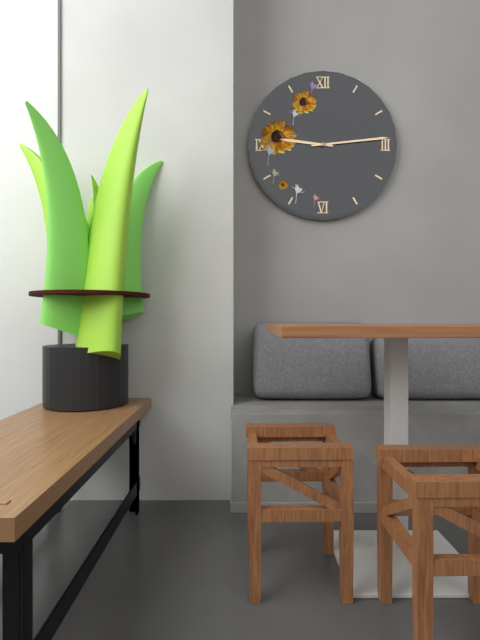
9 h 14 min
